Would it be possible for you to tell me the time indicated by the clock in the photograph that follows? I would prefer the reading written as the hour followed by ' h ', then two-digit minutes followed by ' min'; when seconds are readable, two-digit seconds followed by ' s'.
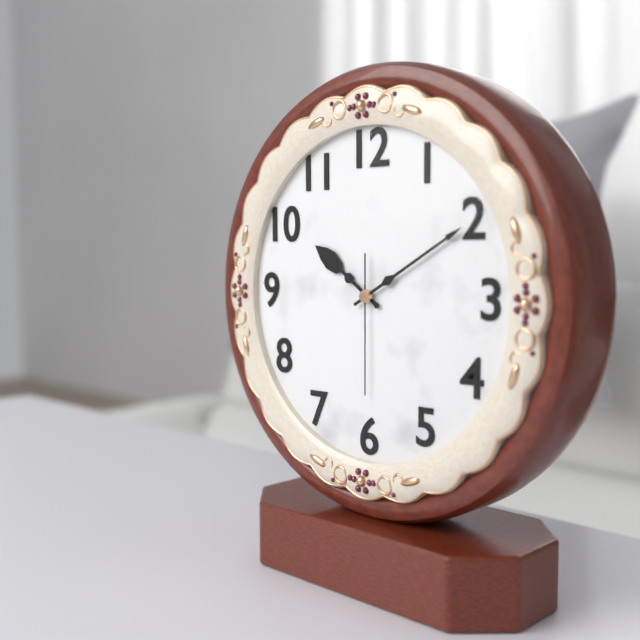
10 h 10 min 30 s
